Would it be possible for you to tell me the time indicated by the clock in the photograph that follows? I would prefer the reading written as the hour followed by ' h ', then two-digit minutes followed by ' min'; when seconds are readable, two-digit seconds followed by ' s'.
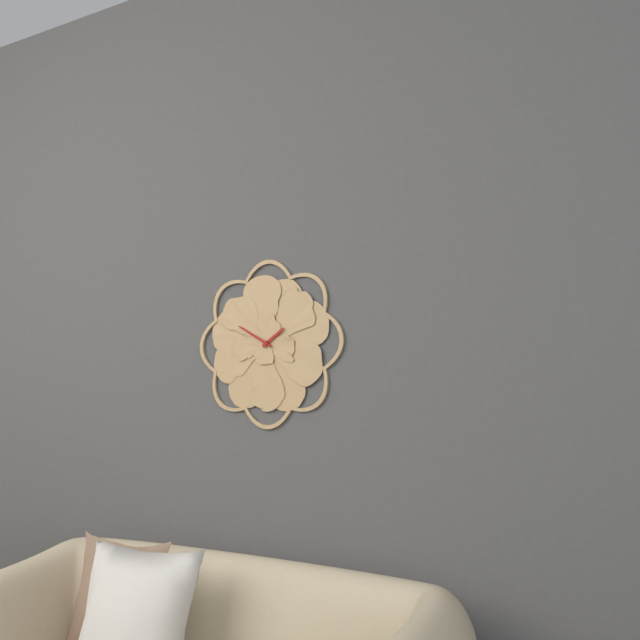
1 h 50 min
